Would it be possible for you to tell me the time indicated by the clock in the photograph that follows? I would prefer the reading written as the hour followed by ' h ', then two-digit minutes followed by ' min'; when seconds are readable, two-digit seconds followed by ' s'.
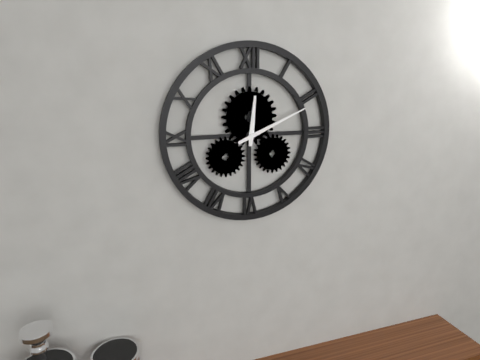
12 h 11 min
